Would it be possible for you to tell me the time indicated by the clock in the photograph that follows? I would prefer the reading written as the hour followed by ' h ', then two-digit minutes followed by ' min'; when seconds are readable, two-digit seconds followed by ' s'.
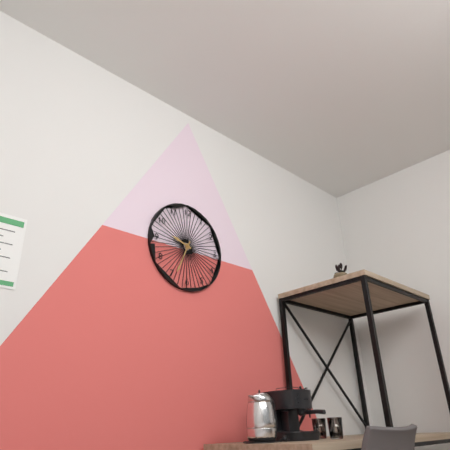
9 h 34 min
